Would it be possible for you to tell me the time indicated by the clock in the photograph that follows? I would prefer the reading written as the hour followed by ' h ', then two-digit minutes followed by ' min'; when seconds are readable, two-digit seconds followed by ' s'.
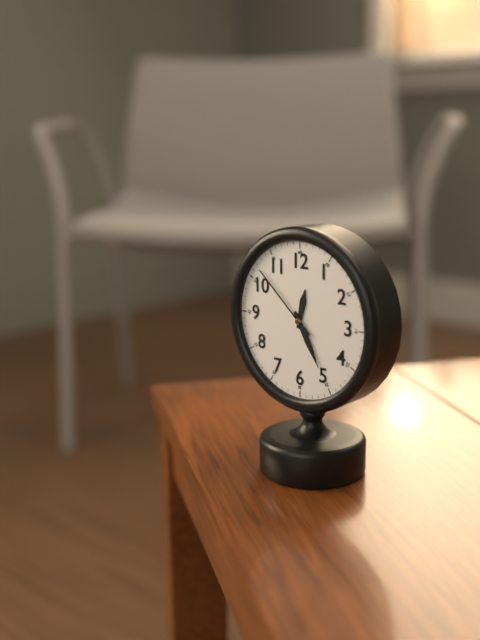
12 h 25 min 52 s
